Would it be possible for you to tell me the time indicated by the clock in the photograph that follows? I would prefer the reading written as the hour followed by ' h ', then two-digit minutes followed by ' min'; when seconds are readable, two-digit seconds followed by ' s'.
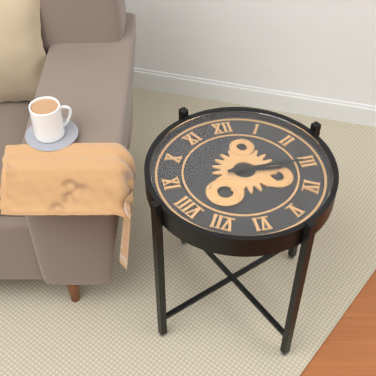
3 h 15 min
